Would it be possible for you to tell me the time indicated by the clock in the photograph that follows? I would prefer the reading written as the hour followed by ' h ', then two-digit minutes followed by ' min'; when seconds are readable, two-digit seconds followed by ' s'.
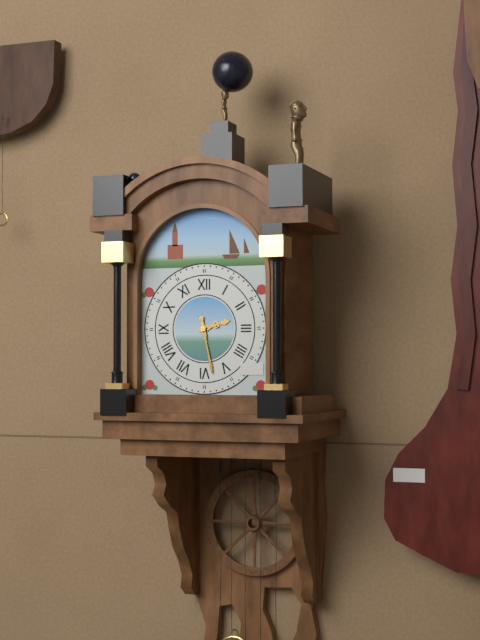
2 h 28 min
